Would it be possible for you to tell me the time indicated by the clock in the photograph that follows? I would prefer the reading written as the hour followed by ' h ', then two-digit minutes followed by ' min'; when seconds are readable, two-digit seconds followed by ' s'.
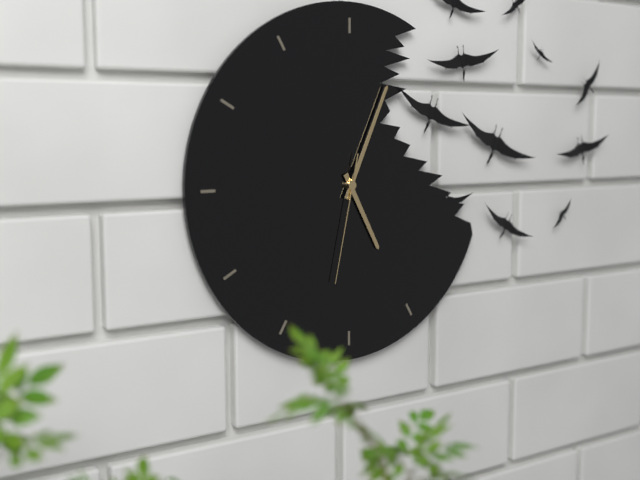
5 h 04 min 32 s
